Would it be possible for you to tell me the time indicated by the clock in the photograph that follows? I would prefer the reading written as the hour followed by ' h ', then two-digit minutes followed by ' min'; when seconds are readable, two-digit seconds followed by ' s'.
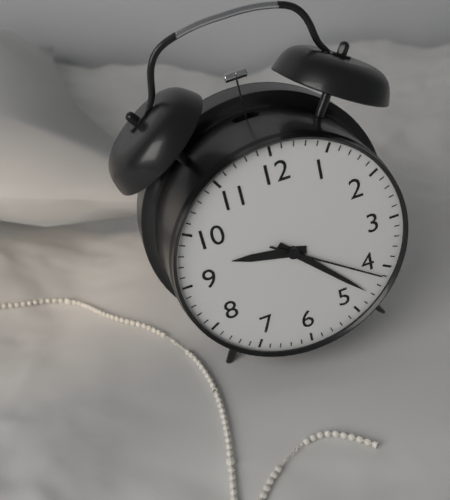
9 h 23 min 21 s
